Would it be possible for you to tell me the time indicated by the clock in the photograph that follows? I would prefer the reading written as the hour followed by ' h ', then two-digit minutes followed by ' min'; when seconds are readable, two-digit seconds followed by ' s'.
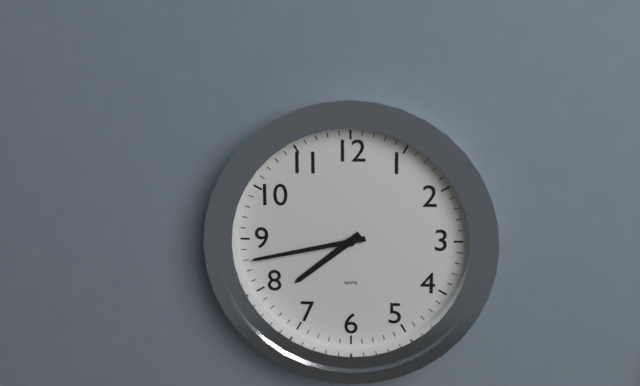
7 h 43 min
